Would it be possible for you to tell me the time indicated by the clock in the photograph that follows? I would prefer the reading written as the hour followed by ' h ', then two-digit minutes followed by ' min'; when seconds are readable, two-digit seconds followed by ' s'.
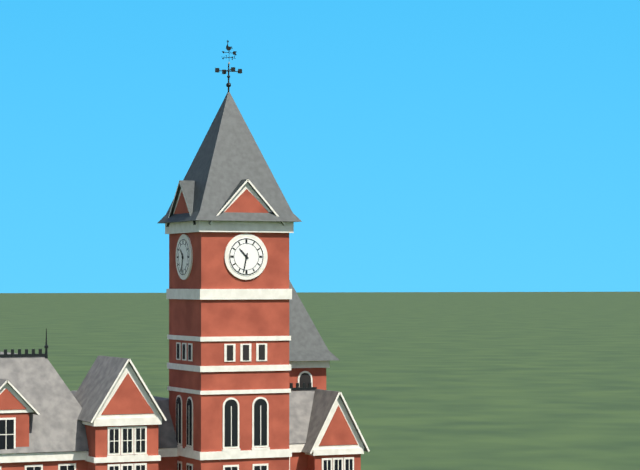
10 h 32 min
